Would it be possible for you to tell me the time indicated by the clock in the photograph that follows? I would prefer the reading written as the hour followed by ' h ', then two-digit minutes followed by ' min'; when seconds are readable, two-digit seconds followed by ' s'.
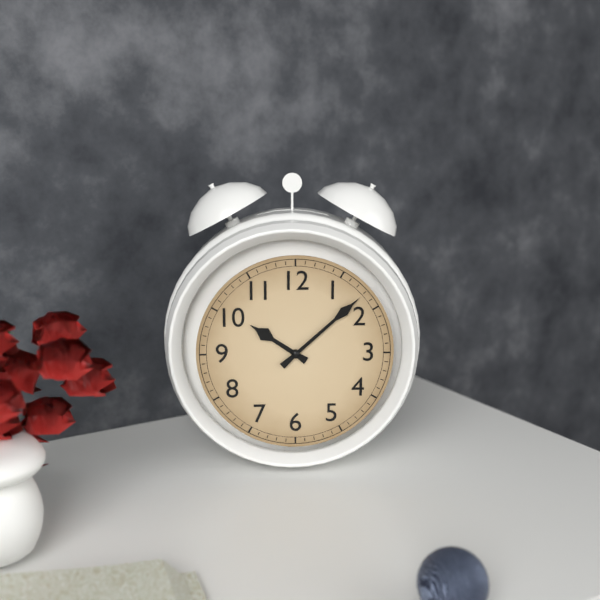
10 h 08 min
